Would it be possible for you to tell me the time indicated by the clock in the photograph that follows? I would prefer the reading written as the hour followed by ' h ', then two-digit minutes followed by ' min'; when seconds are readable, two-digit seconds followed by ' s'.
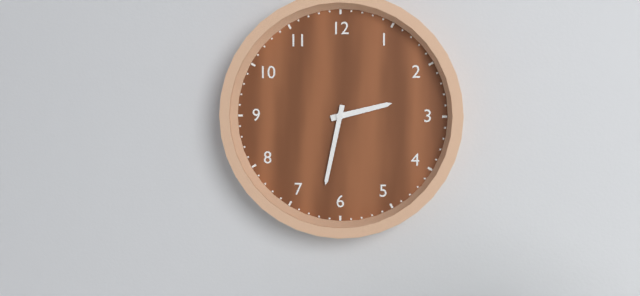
2 h 32 min
